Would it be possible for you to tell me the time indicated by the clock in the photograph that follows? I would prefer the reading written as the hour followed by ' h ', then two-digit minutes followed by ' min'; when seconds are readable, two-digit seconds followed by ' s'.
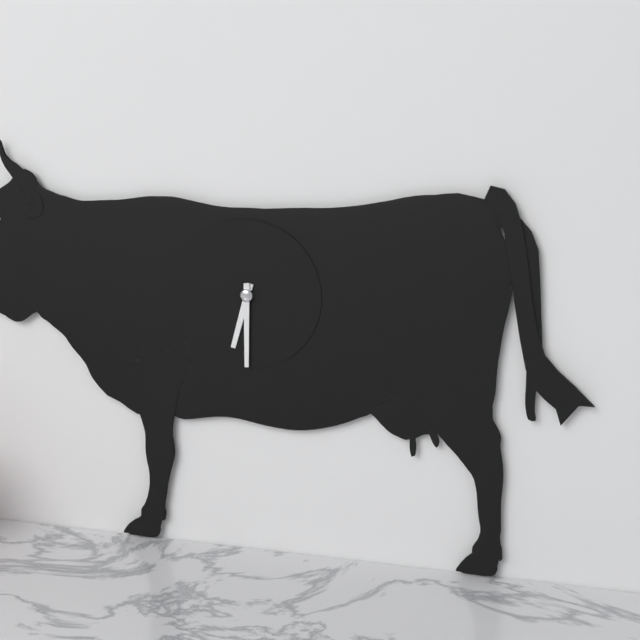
6 h 30 min
